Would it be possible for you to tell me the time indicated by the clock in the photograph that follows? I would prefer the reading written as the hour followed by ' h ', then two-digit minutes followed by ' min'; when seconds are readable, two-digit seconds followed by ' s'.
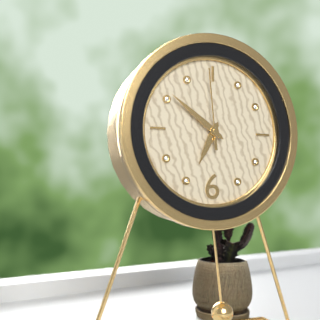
6 h 51 min 59 s
